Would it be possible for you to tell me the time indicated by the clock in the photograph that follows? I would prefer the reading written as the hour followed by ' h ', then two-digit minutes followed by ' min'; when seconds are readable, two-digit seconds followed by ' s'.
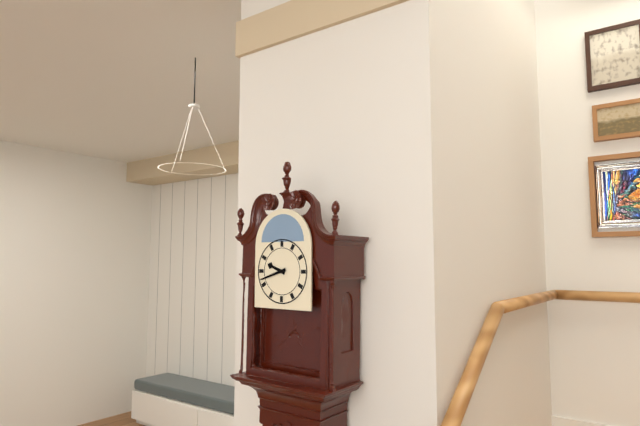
9 h 42 min
